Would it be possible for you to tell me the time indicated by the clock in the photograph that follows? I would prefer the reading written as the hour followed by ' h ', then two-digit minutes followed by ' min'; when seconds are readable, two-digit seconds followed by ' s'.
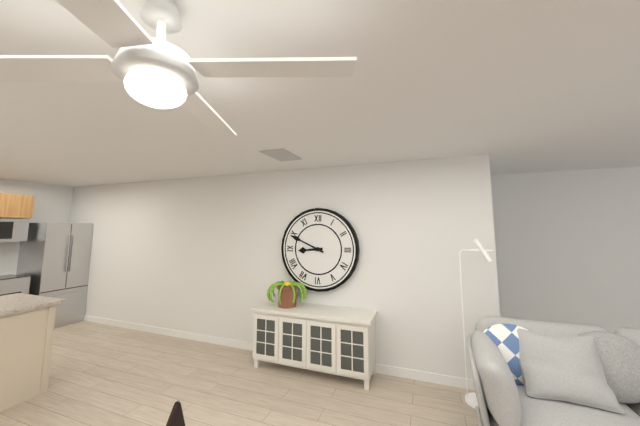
8 h 49 min
